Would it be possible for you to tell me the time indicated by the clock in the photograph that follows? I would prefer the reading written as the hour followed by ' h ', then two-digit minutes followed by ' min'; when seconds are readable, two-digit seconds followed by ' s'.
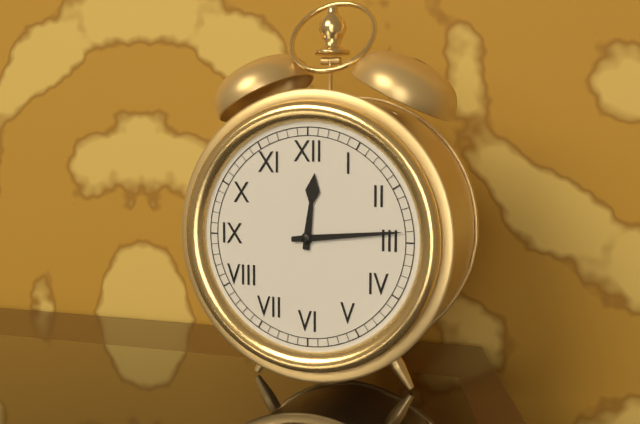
12 h 14 min
